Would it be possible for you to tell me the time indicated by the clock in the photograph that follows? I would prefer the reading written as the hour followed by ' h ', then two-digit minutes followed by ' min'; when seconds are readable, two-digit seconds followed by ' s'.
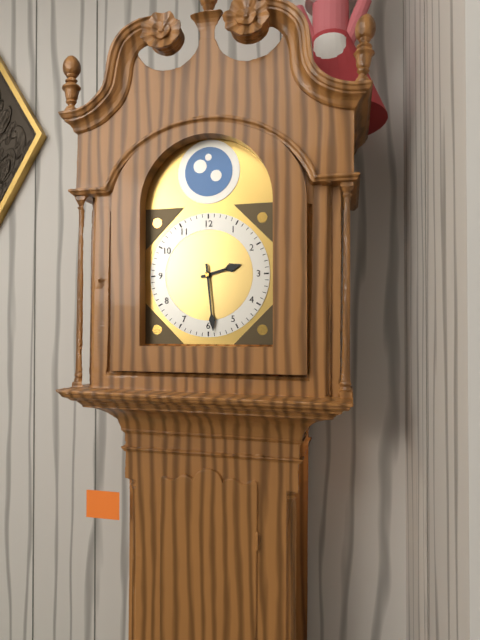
2 h 29 min
